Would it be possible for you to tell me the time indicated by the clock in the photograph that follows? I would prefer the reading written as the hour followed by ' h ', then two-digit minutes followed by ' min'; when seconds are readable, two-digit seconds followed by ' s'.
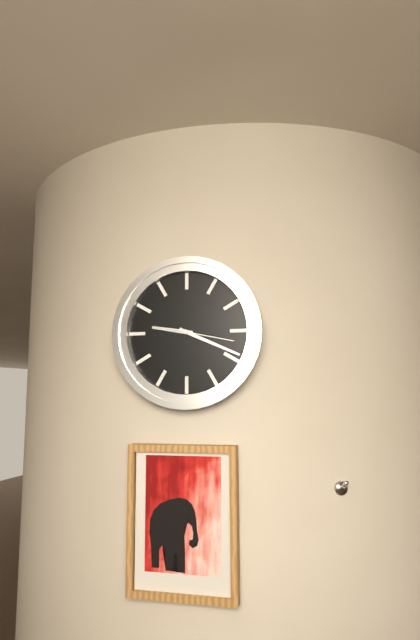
9 h 19 min 17 s
